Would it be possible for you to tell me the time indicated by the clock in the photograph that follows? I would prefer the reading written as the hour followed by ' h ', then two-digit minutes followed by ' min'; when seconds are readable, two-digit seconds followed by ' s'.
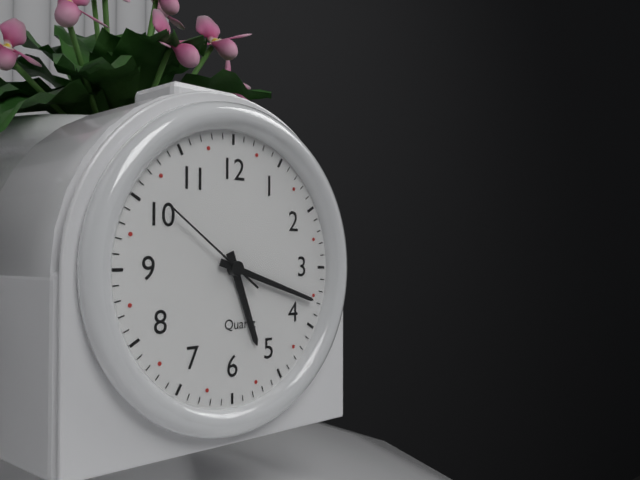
5 h 18 min 51 s
